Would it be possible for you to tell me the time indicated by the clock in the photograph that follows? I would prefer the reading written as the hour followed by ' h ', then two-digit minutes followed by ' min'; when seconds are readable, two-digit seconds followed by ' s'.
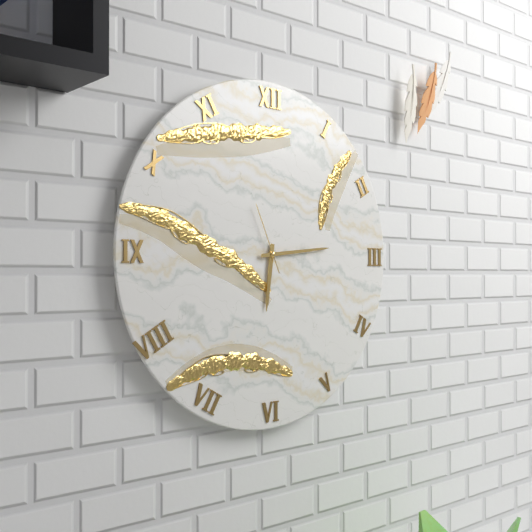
6 h 14 min 56 s
